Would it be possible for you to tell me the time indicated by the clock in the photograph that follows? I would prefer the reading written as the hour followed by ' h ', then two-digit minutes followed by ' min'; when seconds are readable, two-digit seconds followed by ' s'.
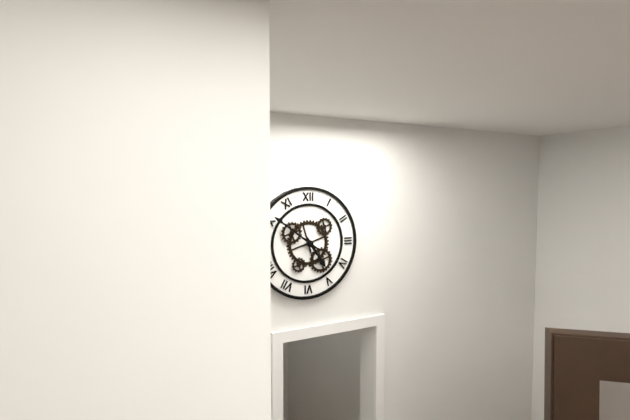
4 h 51 min
